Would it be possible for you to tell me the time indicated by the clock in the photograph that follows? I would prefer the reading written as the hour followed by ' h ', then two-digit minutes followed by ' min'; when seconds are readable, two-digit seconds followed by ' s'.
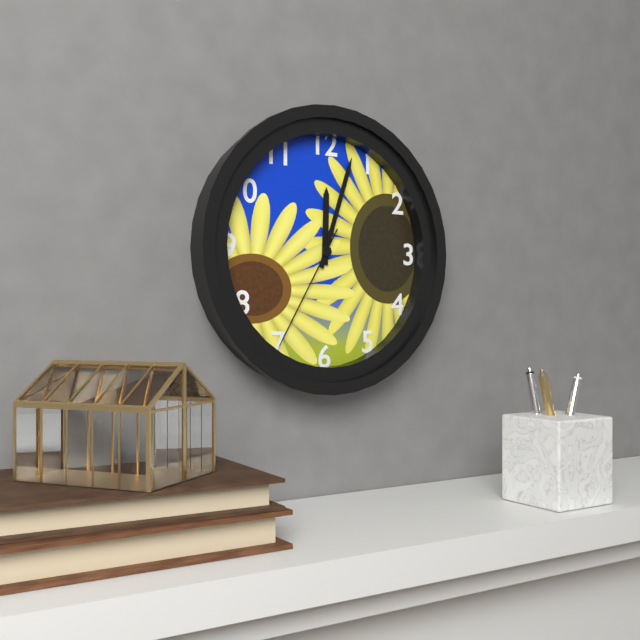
12 h 03 min 35 s
